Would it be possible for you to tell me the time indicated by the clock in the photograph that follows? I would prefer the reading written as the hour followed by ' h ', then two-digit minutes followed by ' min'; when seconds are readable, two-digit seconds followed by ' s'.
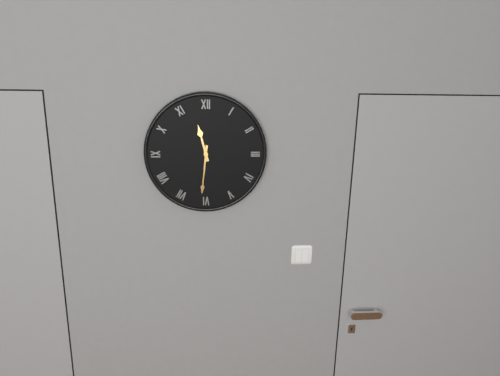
11 h 31 min
